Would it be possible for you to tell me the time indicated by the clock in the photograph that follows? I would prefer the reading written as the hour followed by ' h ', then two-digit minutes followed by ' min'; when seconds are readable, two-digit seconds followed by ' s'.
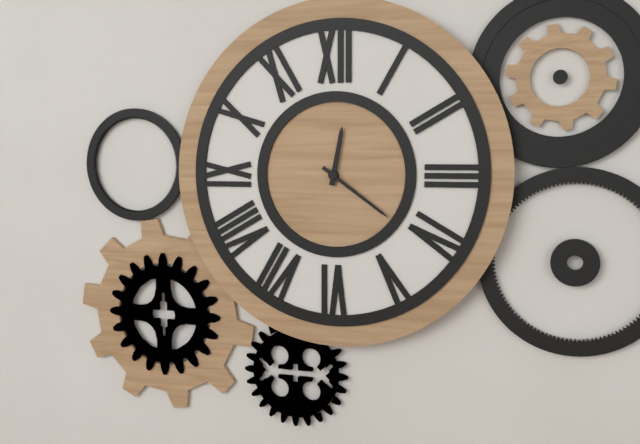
12 h 21 min
